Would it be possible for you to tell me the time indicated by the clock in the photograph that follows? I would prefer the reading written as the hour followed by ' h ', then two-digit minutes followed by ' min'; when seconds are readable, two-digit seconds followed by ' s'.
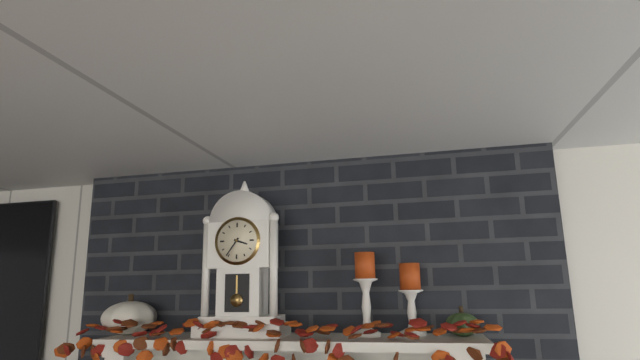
3 h 36 min
